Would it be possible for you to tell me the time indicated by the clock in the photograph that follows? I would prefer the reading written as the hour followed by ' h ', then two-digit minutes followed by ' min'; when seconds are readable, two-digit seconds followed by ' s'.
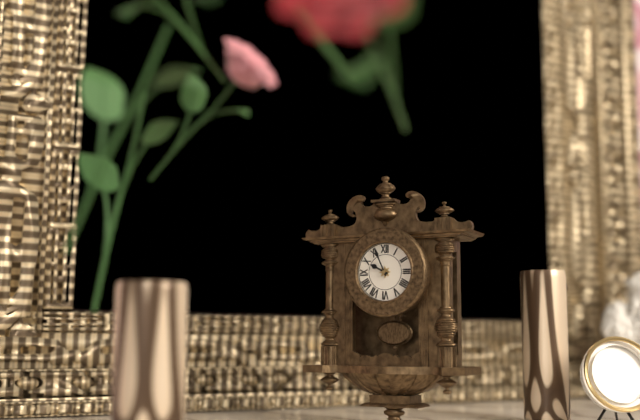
9 h 56 min
